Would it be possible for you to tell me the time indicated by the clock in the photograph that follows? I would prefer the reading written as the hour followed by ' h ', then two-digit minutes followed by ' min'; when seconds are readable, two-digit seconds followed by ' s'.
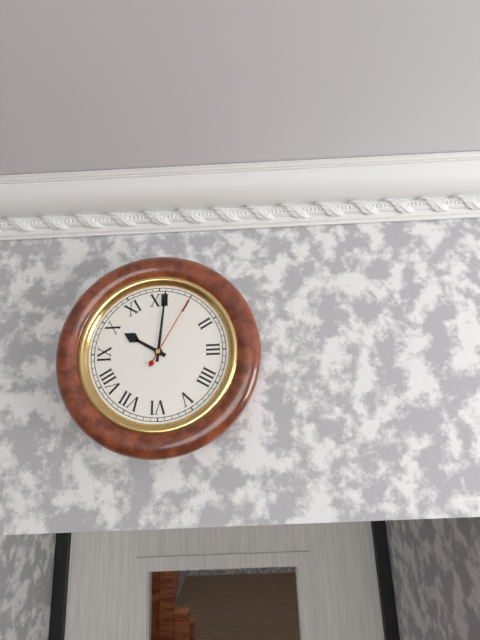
10 h 01 min 05 s
